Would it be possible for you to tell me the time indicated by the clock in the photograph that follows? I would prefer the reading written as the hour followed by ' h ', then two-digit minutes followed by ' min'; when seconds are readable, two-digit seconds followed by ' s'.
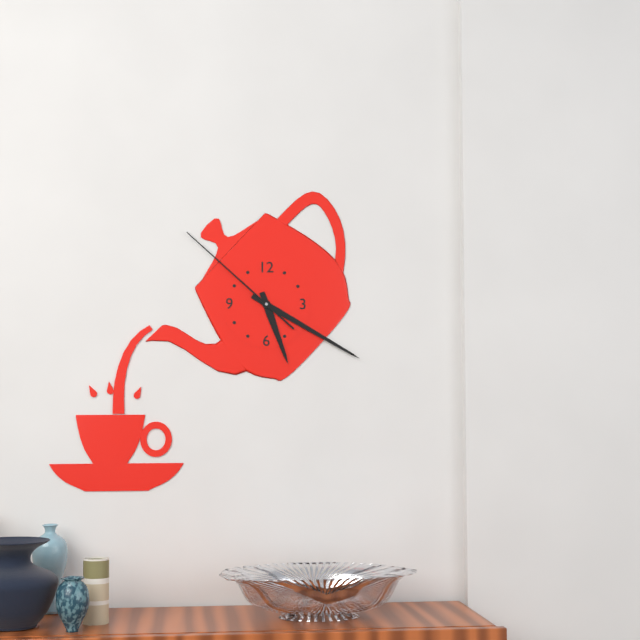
5 h 20 min 52 s
